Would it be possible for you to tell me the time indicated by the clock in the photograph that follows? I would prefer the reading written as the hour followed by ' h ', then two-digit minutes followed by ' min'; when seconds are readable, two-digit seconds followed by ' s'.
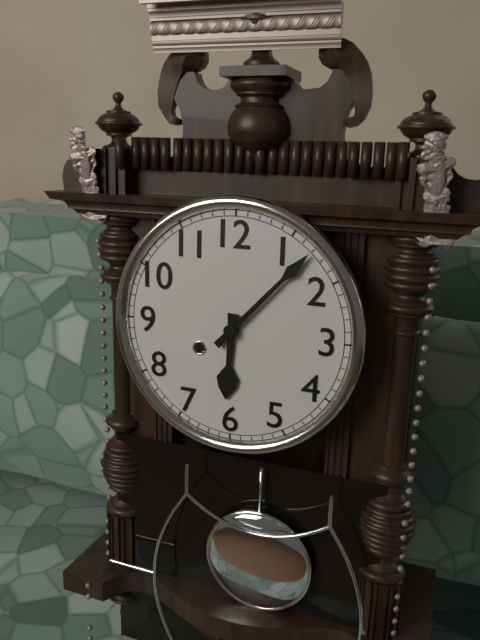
6 h 07 min
